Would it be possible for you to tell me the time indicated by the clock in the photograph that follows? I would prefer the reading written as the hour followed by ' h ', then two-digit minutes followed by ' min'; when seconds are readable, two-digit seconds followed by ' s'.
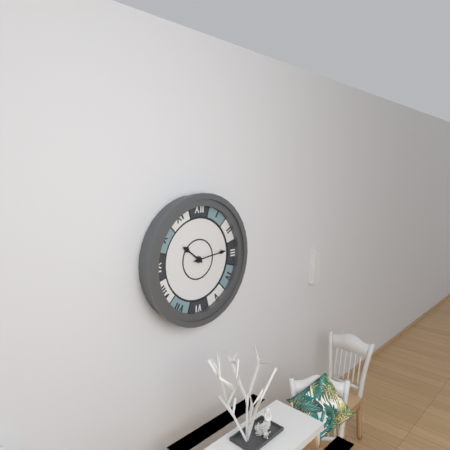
10 h 14 min
